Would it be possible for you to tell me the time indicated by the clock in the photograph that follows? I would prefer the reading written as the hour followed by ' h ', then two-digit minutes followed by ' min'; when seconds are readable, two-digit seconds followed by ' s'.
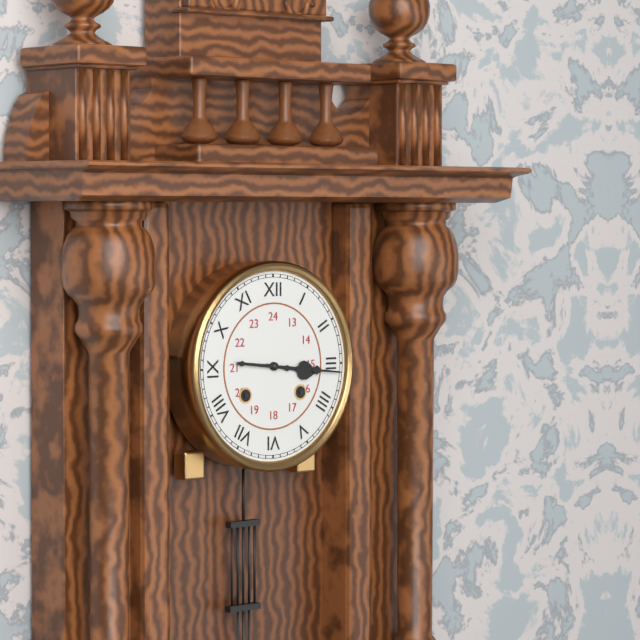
3 h 16 min
